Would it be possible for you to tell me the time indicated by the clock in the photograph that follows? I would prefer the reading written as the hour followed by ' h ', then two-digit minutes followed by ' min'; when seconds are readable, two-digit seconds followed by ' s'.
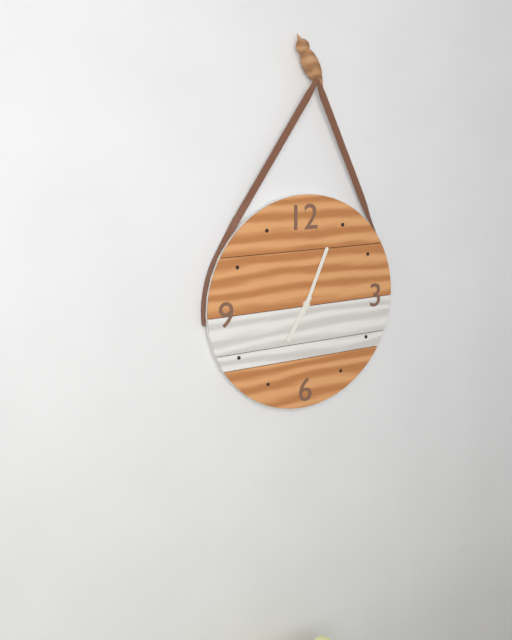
7 h 04 min
